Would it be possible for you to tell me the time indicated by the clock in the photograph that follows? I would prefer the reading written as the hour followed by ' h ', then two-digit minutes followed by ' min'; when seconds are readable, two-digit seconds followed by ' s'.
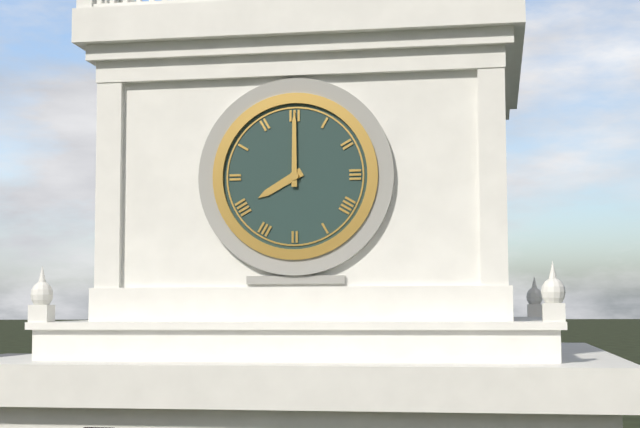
8 h 00 min
